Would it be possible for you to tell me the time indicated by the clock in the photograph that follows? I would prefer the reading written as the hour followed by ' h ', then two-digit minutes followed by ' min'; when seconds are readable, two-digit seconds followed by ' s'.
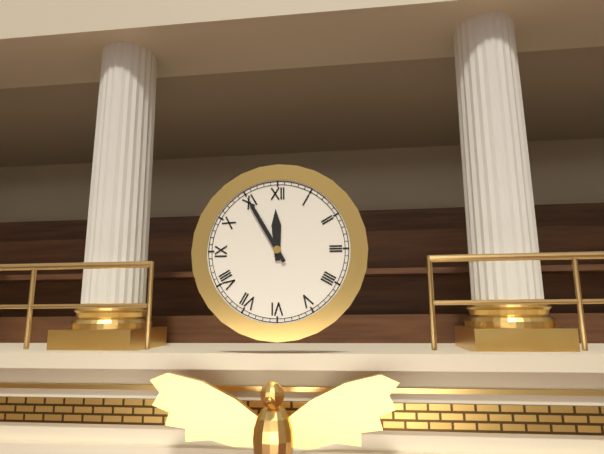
11 h 55 min
